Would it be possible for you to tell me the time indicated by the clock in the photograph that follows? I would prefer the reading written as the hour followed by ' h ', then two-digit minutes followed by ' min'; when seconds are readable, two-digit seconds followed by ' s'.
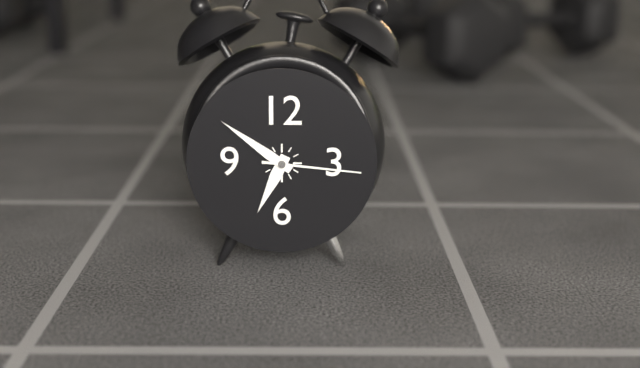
6 h 51 min 16 s
